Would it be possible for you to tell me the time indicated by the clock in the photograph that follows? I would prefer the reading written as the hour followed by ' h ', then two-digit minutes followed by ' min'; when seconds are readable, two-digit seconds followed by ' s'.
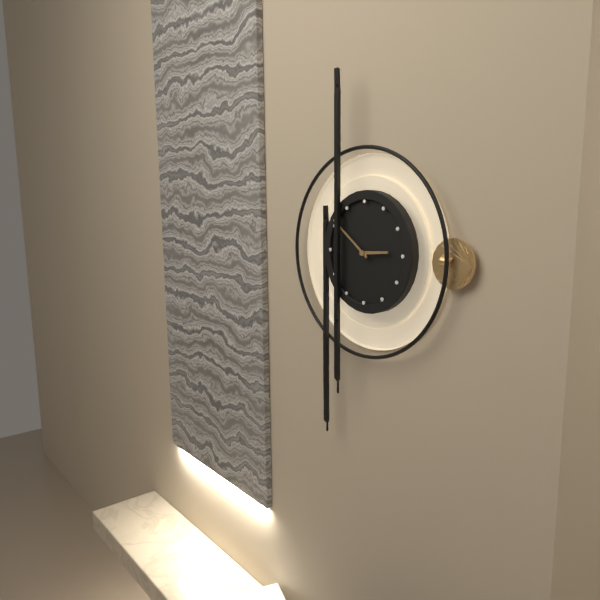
2 h 51 min
